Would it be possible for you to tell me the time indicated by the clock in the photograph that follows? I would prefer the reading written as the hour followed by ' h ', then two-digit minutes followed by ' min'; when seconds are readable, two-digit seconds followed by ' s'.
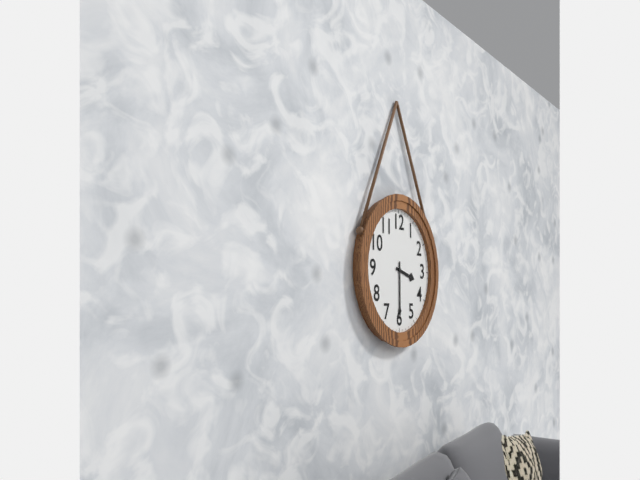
3 h 30 min
